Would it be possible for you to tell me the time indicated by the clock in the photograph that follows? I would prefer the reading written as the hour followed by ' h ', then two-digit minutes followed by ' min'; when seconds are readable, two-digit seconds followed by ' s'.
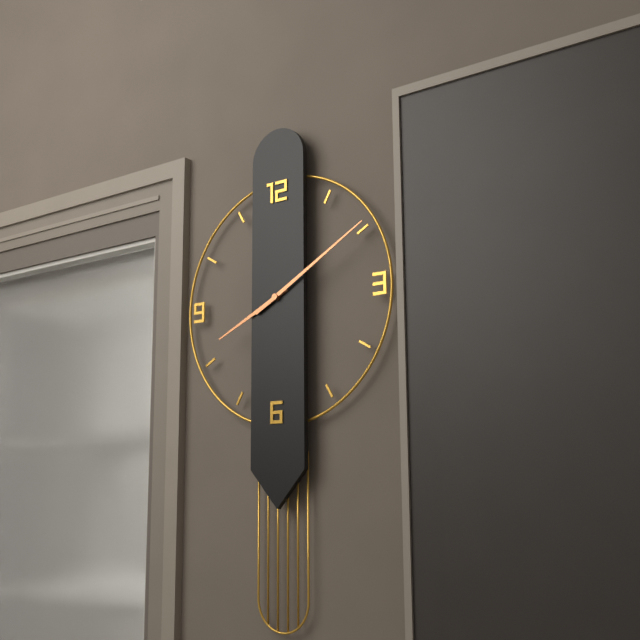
8 h 10 min
